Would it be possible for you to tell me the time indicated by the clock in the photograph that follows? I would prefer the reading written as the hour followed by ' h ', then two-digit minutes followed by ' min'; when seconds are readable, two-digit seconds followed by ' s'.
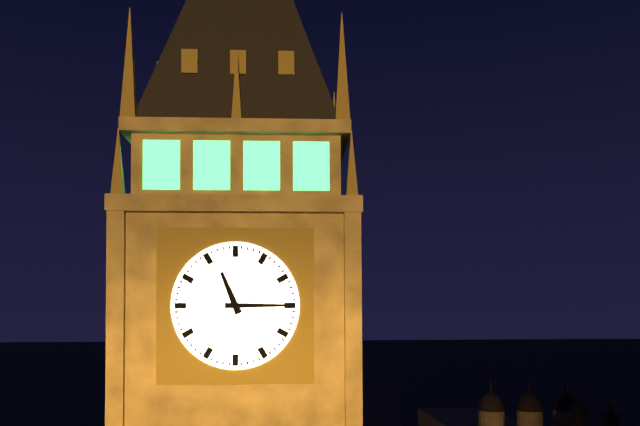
11 h 15 min
